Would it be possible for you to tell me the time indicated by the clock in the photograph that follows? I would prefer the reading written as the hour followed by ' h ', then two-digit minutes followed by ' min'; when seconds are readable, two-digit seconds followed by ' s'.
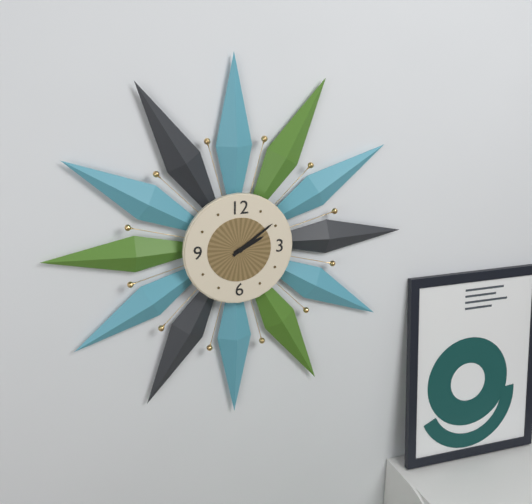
2 h 09 min
